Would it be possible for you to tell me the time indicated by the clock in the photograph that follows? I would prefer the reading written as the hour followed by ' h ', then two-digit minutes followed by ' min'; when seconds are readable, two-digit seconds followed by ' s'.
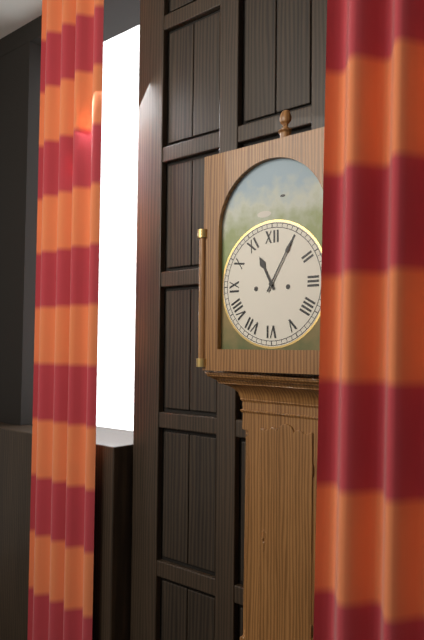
11 h 05 min
